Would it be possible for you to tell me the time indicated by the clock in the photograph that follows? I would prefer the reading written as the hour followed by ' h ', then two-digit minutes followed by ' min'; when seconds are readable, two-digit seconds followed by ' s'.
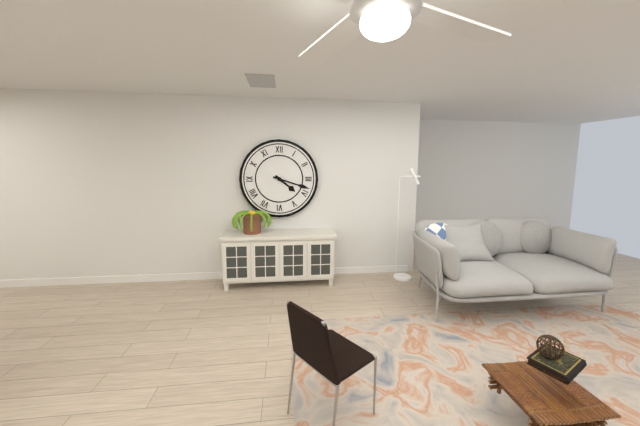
4 h 18 min
